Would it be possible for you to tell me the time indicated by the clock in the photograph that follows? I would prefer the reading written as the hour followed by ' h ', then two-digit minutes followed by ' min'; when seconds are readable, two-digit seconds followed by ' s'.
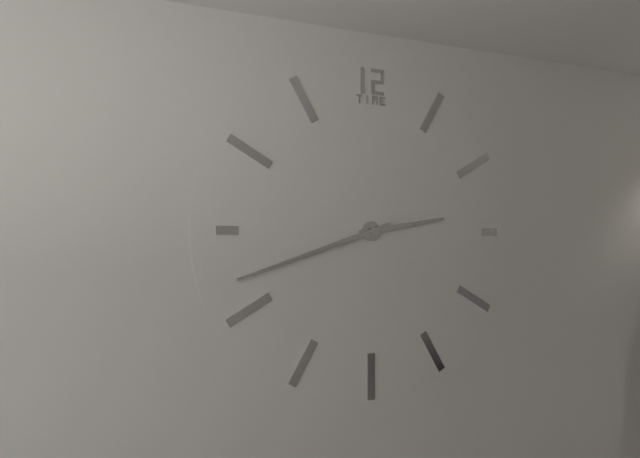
2 h 42 min
